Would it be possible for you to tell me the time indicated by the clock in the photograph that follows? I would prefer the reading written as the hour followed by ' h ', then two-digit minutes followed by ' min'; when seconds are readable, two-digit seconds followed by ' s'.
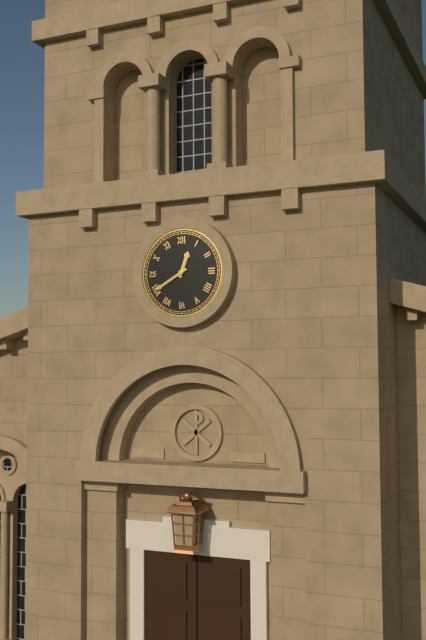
12 h 40 min
